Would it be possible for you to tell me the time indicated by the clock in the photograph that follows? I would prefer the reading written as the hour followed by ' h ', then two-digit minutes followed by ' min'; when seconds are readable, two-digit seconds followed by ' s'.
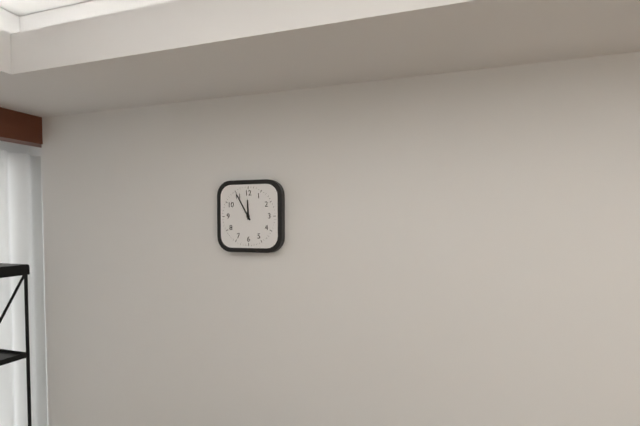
11 h 55 min
